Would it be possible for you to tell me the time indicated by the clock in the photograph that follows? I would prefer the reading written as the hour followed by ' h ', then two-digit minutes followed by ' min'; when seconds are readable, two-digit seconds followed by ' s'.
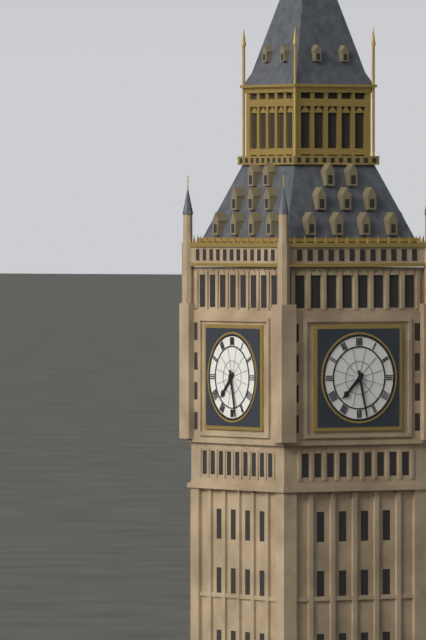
7 h 28 min
